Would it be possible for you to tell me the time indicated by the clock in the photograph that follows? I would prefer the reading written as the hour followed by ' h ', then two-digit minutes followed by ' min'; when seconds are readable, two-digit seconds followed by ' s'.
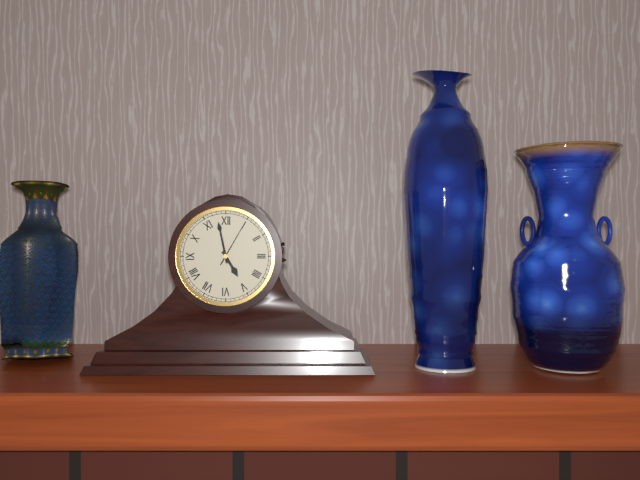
4 h 58 min 05 s
